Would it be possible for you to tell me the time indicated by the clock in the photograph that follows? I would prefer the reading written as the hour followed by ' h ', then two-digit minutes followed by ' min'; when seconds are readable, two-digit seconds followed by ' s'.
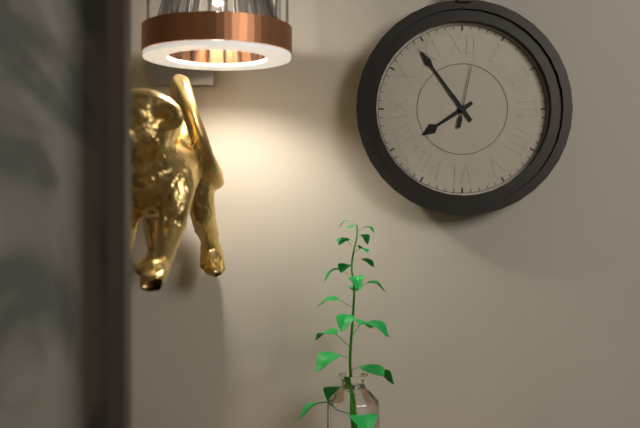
7 h 54 min 02 s
